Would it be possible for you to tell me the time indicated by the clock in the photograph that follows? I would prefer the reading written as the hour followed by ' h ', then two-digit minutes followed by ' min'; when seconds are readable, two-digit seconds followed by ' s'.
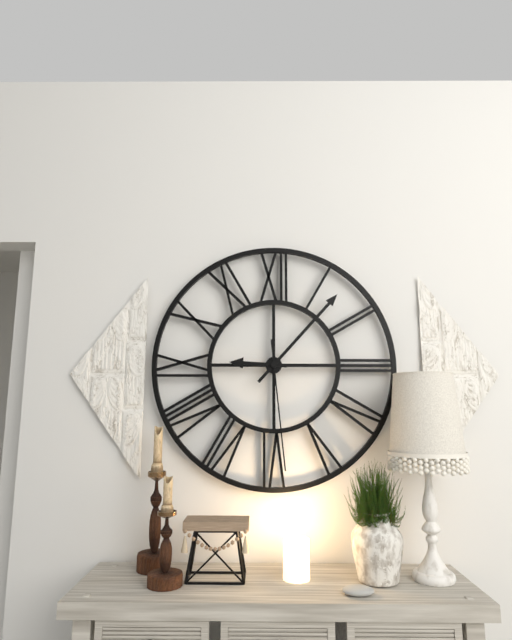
9 h 07 min 29 s
